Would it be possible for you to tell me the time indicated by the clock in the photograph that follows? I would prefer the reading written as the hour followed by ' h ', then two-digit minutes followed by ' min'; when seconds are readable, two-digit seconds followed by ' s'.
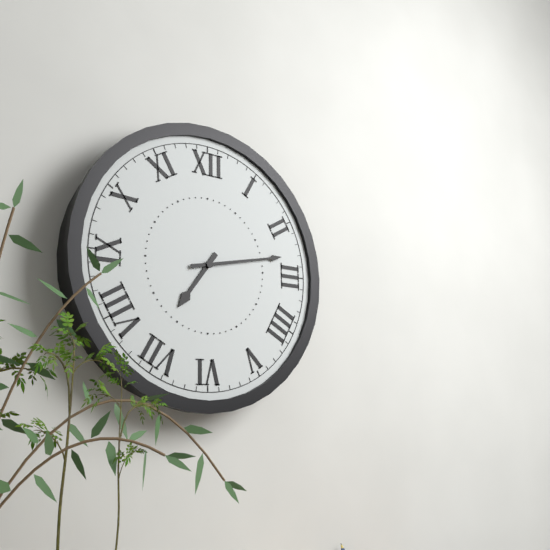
7 h 13 min
